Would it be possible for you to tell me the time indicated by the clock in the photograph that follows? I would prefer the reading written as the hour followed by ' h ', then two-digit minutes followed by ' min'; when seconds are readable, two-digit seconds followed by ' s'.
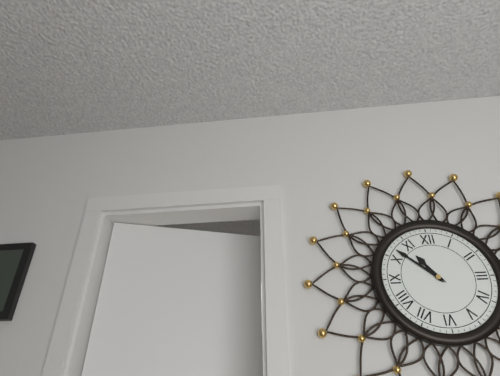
10 h 52 min
